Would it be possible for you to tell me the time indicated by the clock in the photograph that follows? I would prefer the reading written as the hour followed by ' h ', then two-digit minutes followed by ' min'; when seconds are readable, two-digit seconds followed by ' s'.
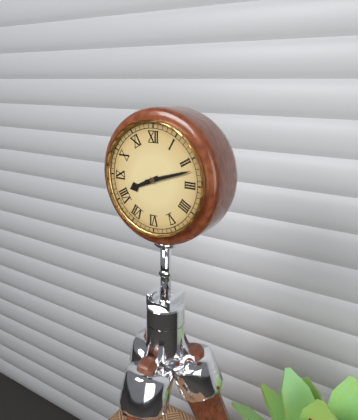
8 h 12 min
